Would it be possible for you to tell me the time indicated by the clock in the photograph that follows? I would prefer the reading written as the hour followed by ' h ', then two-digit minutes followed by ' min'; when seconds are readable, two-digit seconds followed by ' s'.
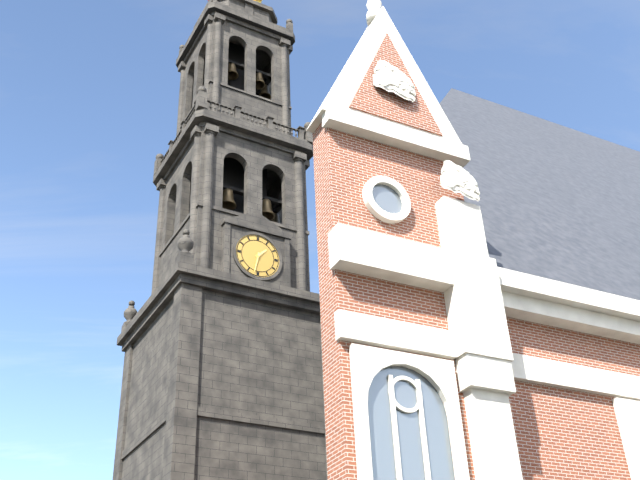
1 h 32 min
